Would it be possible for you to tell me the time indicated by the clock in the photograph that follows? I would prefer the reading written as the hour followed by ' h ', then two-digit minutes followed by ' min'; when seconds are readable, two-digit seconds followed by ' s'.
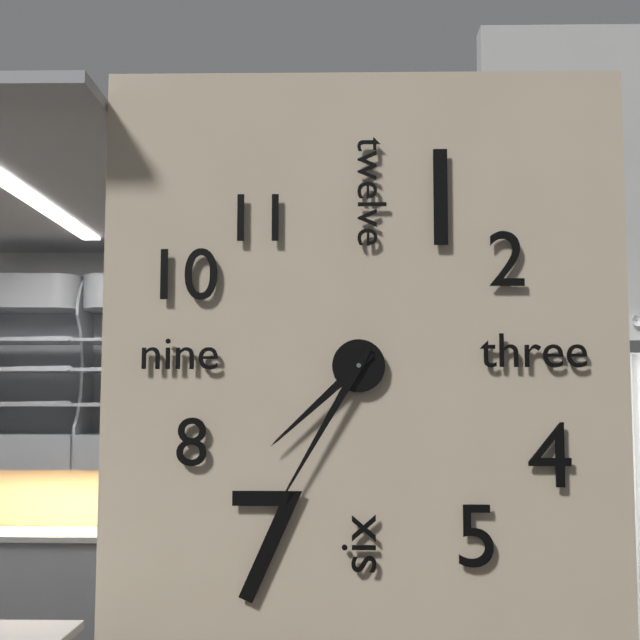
7 h 35 min
